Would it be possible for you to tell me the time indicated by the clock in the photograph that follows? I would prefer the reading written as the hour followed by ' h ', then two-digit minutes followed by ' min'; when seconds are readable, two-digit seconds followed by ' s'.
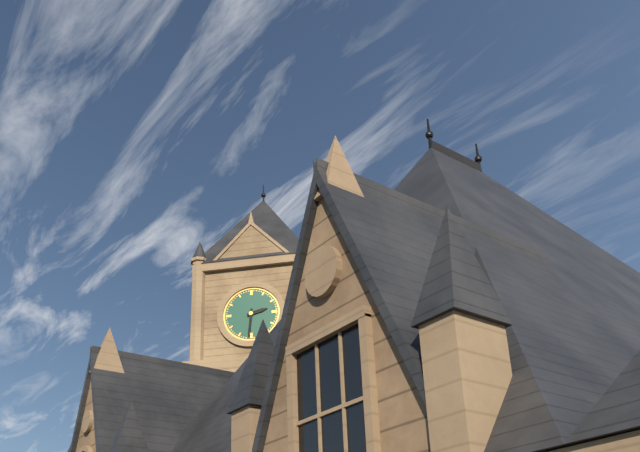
2 h 31 min
